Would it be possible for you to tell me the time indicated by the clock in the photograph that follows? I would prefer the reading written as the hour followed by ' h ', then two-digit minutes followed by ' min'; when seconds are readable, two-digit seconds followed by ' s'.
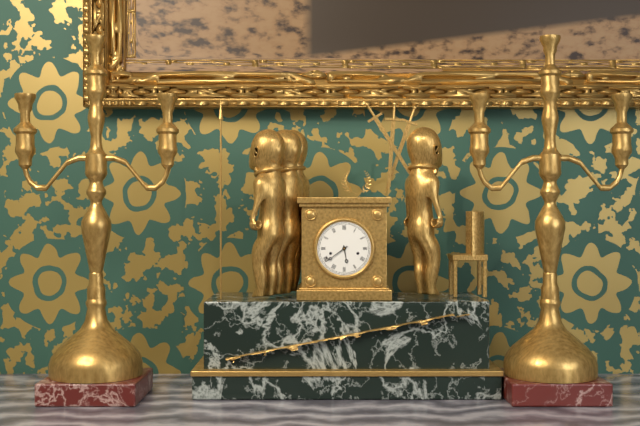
5 h 39 min
